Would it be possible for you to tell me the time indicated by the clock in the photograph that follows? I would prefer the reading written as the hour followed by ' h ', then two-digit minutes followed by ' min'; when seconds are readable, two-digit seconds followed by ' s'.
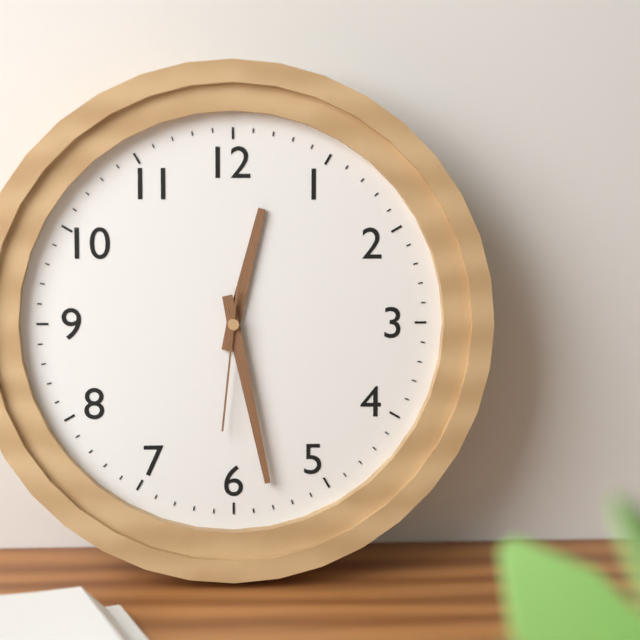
12 h 28 min 31 s
